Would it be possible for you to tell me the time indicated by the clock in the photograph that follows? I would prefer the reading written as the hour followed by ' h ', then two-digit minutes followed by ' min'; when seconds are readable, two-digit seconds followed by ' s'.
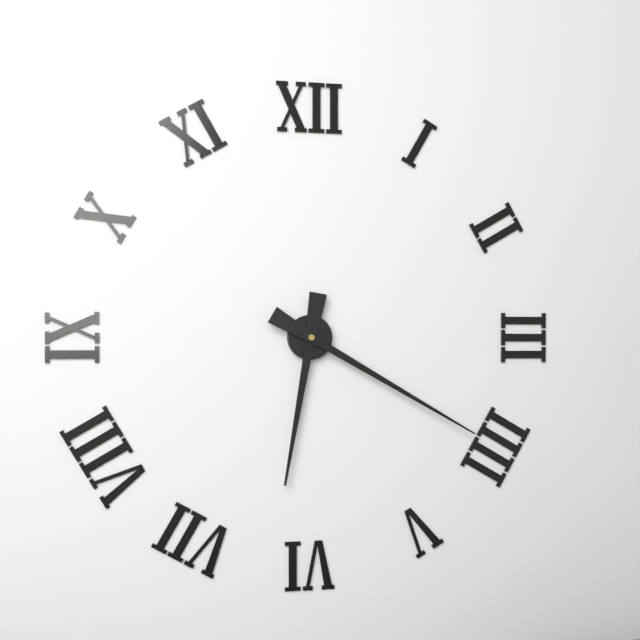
6 h 20 min
